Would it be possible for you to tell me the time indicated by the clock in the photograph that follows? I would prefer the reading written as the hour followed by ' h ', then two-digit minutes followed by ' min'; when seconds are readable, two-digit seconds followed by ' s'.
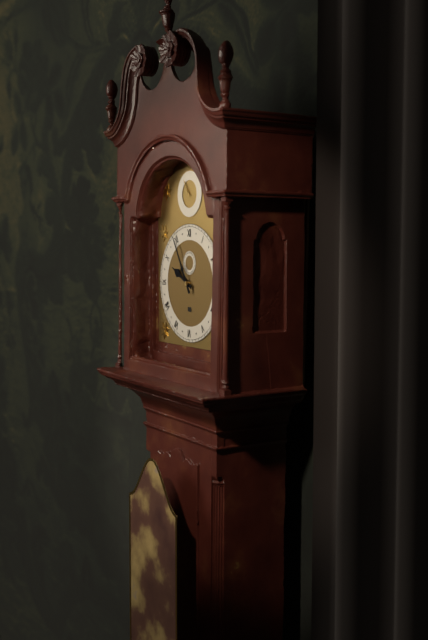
9 h 55 min
